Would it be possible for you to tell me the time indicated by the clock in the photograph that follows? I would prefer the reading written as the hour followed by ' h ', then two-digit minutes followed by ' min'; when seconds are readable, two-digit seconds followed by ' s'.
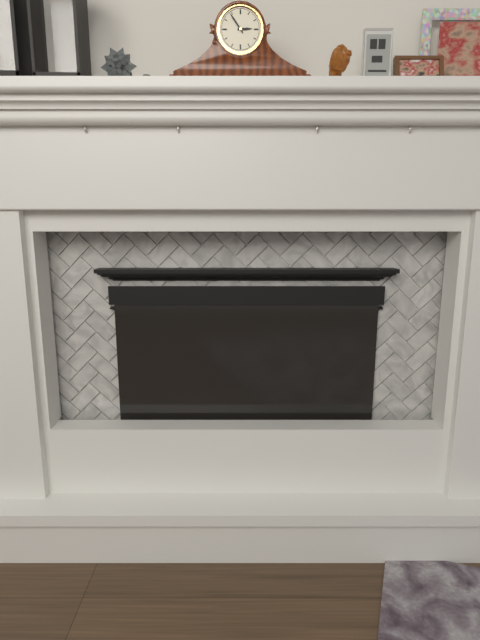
2 h 54 min
